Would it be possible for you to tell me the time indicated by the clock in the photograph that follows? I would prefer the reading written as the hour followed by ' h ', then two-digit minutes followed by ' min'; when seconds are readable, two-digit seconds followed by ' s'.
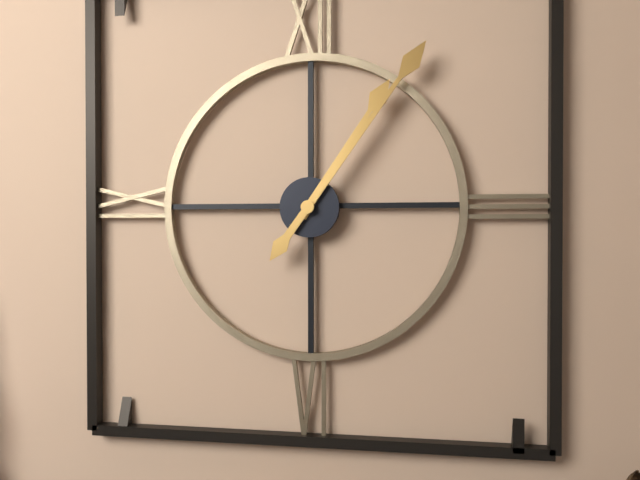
1 h 06 min
